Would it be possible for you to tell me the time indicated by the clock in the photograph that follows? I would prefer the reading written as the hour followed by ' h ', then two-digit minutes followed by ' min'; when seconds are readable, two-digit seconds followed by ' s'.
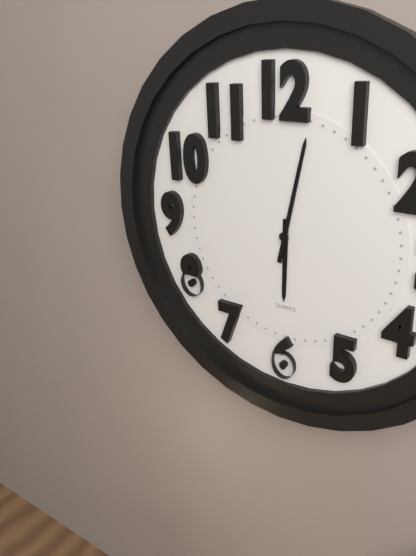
6 h 02 min
